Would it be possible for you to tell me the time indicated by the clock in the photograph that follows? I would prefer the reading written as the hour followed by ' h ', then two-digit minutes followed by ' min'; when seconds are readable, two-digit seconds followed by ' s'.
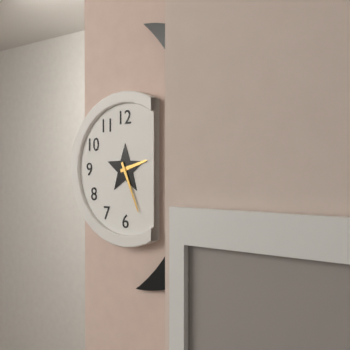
2 h 26 min
